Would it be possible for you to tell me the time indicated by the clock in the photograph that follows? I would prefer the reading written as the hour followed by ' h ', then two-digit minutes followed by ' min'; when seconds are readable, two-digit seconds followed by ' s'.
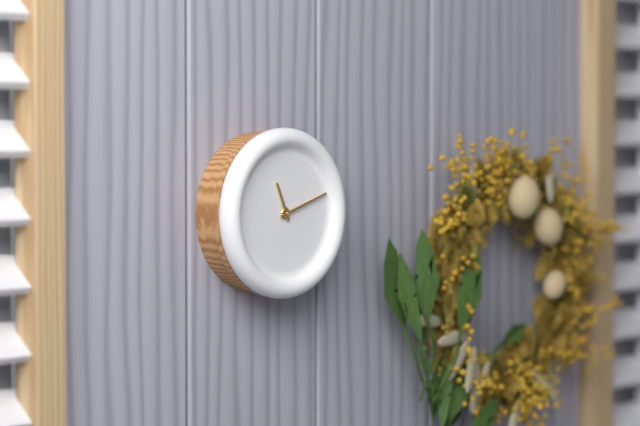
11 h 12 min
